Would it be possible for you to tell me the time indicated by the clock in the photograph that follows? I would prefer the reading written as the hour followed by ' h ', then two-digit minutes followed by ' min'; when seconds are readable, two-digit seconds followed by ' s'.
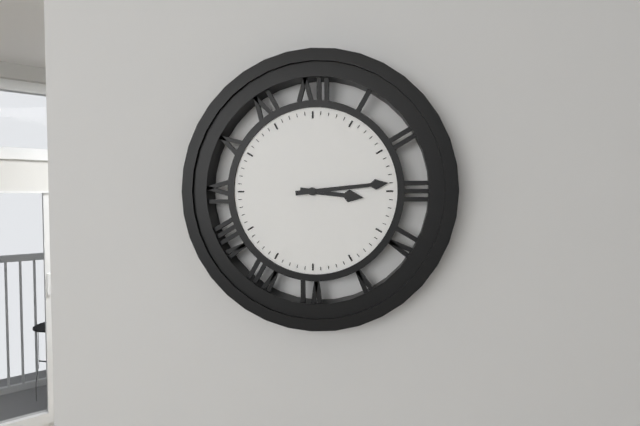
3 h 14 min
